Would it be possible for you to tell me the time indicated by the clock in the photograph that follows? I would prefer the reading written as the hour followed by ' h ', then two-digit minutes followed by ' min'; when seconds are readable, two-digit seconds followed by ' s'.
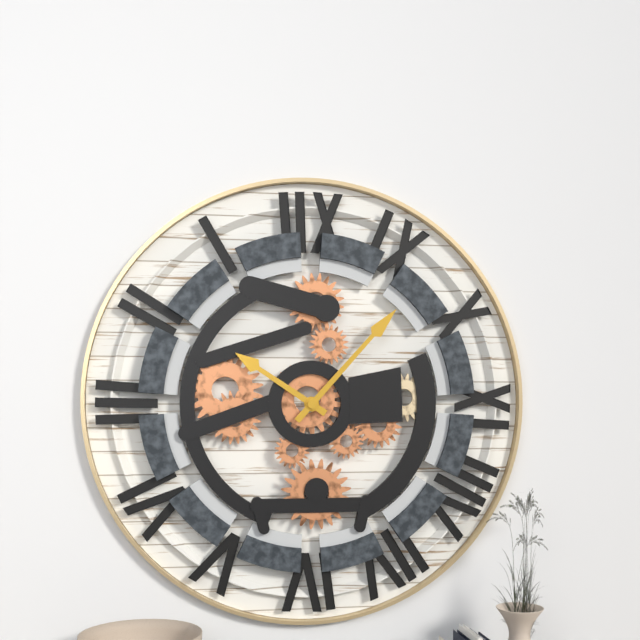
10 h 07 min
